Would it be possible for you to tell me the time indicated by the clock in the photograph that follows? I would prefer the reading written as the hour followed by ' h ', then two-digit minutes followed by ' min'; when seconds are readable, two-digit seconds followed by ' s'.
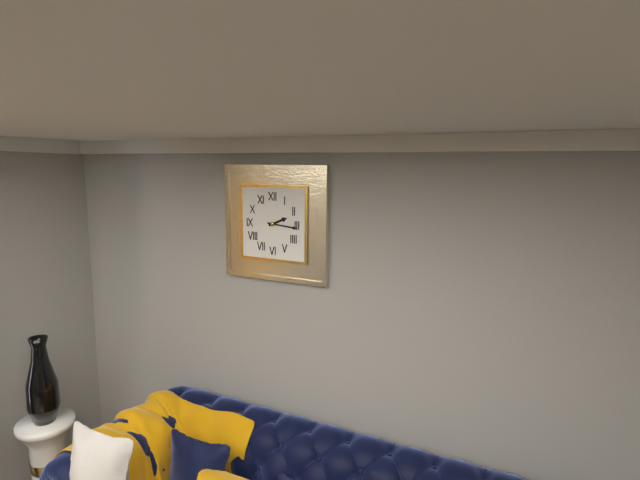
2 h 16 min
